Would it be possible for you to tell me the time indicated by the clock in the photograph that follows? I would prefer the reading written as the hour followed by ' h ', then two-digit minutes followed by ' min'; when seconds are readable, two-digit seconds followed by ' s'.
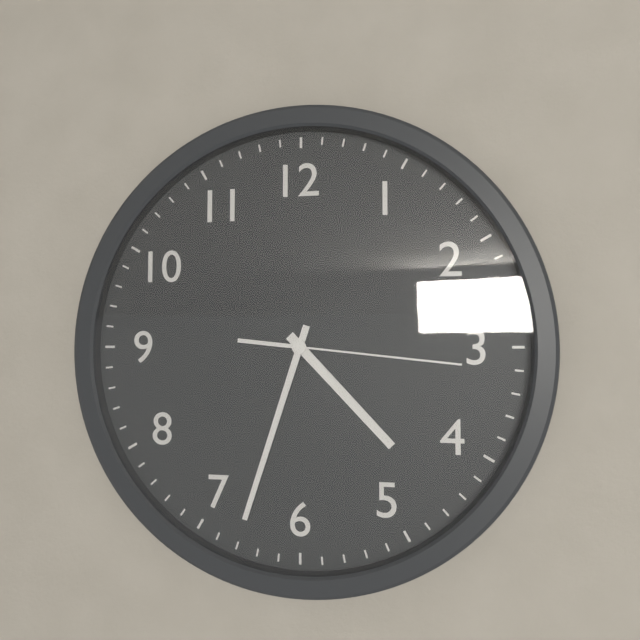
4 h 33 min 16 s
